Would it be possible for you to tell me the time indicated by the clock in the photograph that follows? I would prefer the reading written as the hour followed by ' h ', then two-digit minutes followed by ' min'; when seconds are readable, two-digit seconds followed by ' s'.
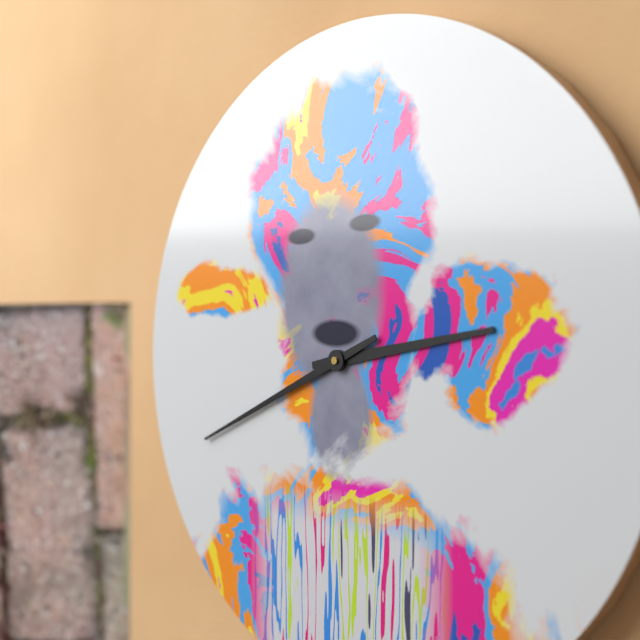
2 h 41 min
